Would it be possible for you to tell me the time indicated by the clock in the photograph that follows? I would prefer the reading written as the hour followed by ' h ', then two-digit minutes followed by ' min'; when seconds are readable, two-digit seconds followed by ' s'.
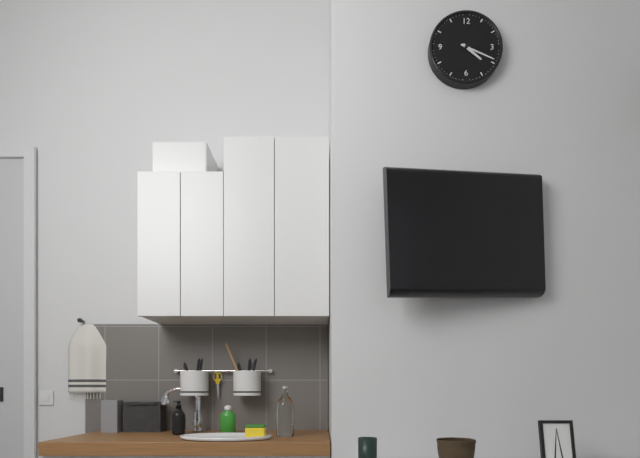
4 h 19 min
